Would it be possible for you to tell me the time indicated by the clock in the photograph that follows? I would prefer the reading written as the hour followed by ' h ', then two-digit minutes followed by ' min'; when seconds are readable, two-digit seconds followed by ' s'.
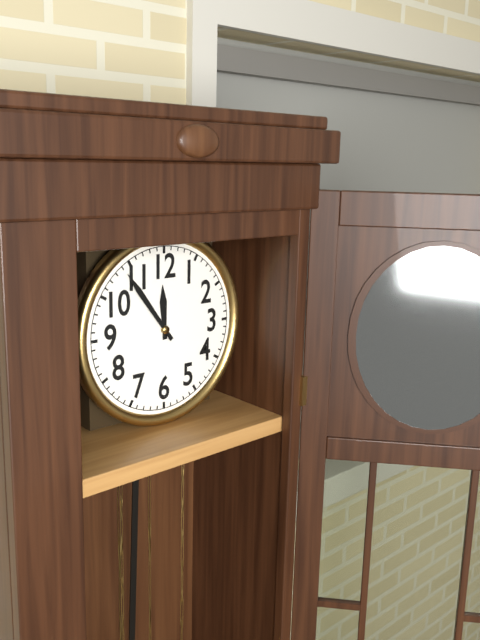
11 h 54 min
